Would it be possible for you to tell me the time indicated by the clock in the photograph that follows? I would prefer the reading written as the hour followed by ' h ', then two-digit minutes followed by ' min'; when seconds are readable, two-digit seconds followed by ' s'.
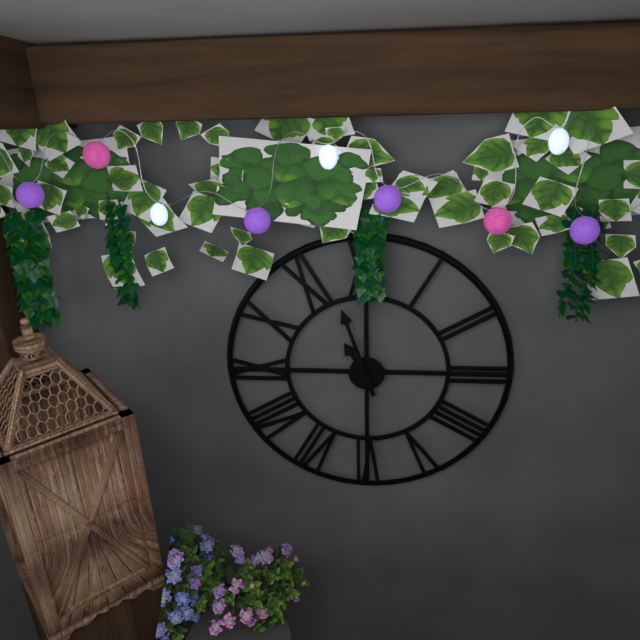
10 h 57 min
